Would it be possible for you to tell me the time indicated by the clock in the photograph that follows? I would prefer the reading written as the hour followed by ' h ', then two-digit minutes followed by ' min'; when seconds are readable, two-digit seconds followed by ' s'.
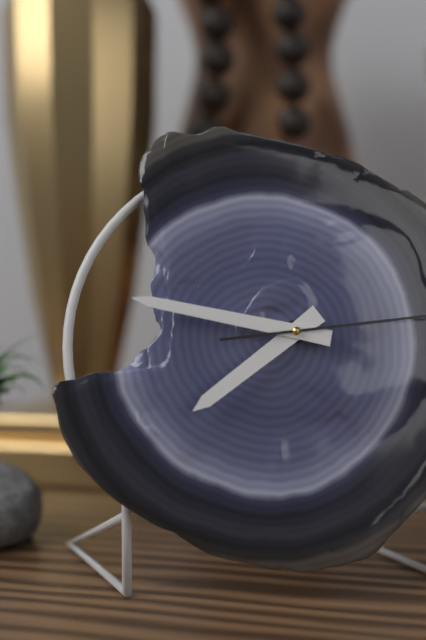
7 h 47 min
